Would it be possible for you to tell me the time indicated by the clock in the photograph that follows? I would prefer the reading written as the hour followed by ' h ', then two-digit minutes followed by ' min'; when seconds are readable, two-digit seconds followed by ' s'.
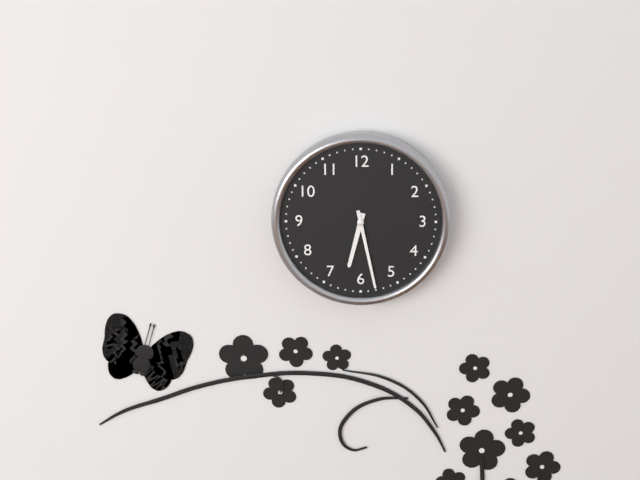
6 h 28 min
